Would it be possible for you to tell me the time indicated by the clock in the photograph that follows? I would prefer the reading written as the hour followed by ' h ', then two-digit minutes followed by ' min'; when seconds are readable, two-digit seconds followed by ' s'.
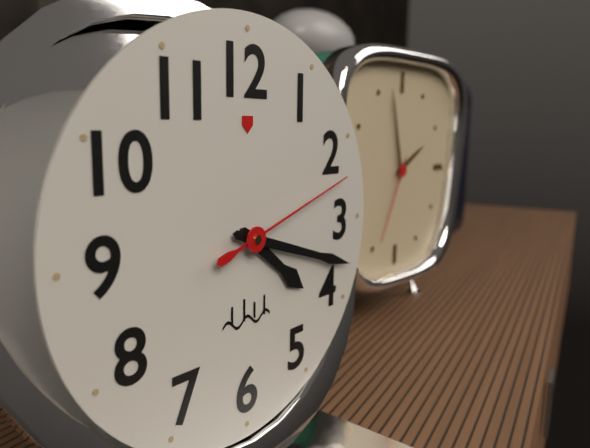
4 h 18 min 12 s
